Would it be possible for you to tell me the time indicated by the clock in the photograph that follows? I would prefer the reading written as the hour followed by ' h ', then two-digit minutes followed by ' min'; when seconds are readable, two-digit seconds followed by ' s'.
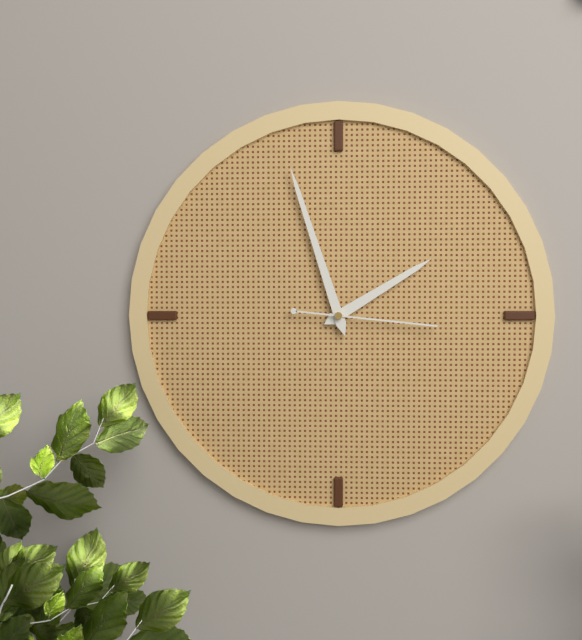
1 h 57 min 16 s
